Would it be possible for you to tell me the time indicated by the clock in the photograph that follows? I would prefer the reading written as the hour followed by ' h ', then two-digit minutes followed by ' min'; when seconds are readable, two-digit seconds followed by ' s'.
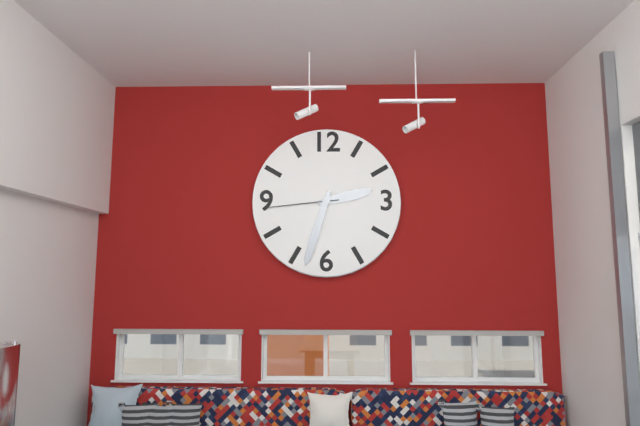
2 h 33 min 44 s
